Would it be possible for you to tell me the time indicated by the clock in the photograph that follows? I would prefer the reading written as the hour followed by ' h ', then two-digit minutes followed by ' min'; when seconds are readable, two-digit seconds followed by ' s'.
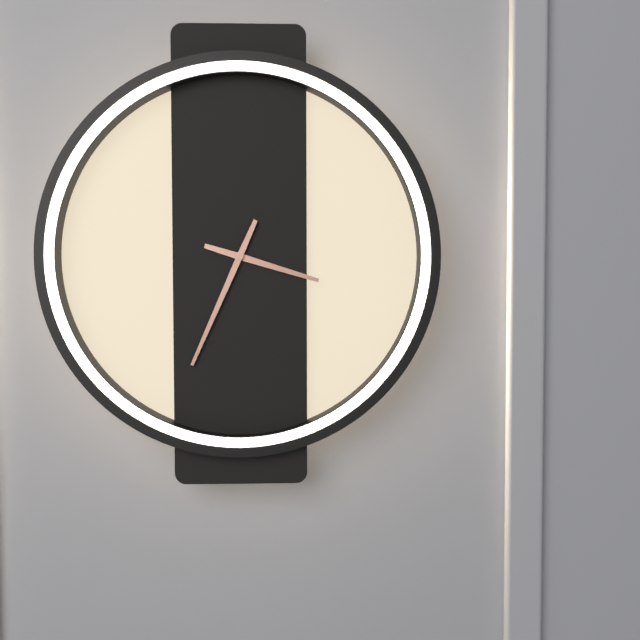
3 h 34 min
